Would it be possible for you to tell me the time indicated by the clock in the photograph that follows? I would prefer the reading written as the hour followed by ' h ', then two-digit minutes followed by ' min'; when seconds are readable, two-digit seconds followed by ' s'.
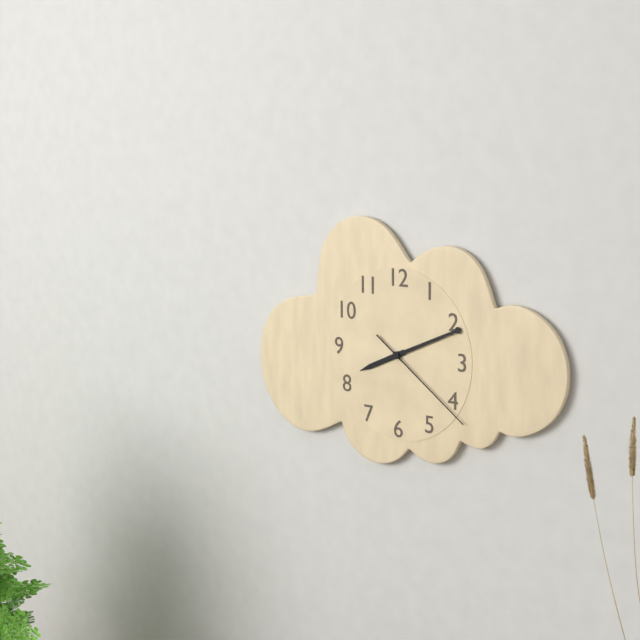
8 h 11 min 21 s
